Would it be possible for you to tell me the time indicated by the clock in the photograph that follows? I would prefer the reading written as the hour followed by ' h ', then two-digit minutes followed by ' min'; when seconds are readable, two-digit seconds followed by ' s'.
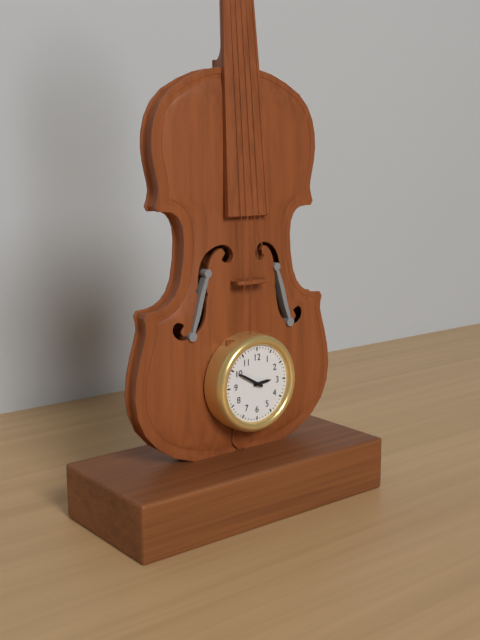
2 h 50 min
